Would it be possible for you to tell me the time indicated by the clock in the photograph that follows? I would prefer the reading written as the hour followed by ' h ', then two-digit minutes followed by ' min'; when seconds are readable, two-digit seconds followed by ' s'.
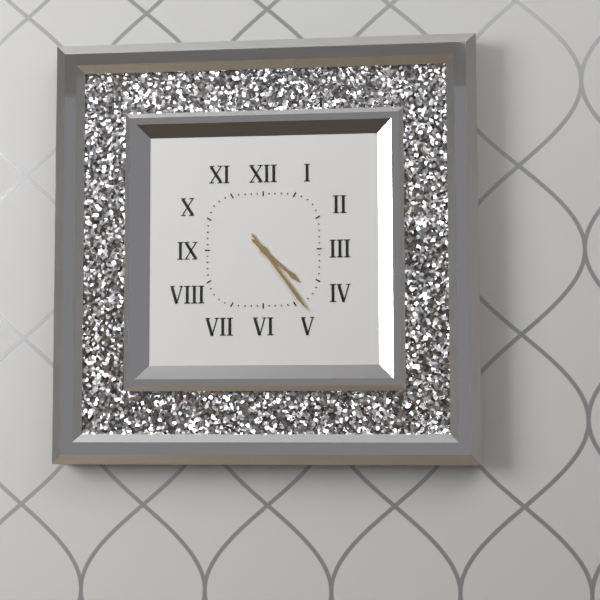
4 h 24 min
